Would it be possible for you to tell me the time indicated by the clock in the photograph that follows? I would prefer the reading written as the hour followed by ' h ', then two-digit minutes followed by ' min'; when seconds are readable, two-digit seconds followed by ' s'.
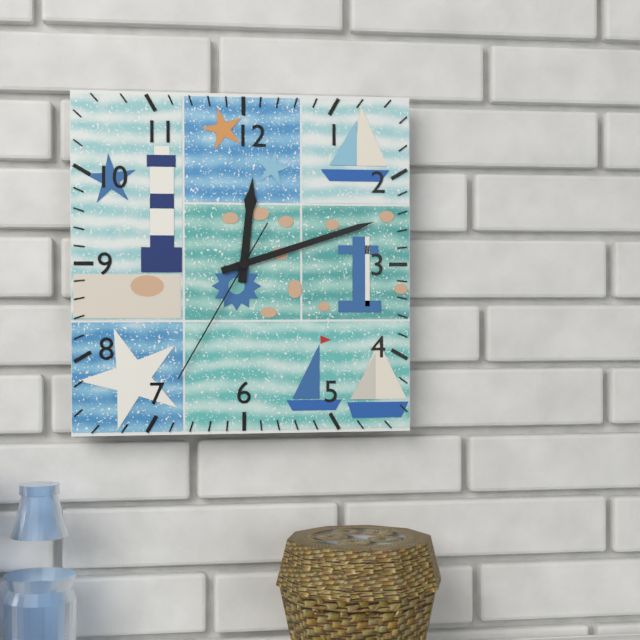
12 h 12 min 35 s
